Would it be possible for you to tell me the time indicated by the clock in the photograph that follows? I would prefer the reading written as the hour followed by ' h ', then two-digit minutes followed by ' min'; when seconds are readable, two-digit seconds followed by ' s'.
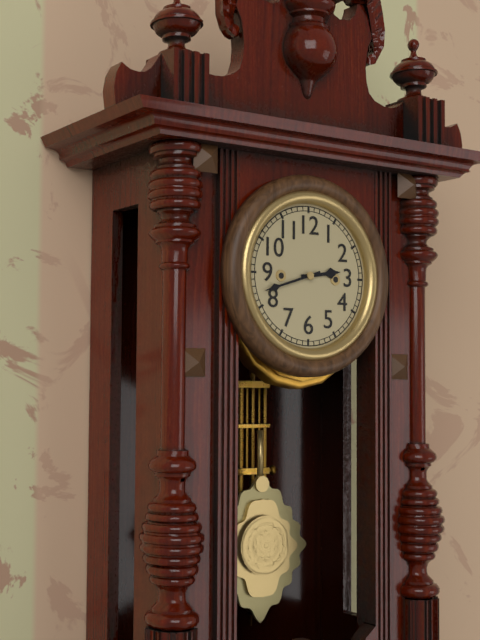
2 h 42 min
